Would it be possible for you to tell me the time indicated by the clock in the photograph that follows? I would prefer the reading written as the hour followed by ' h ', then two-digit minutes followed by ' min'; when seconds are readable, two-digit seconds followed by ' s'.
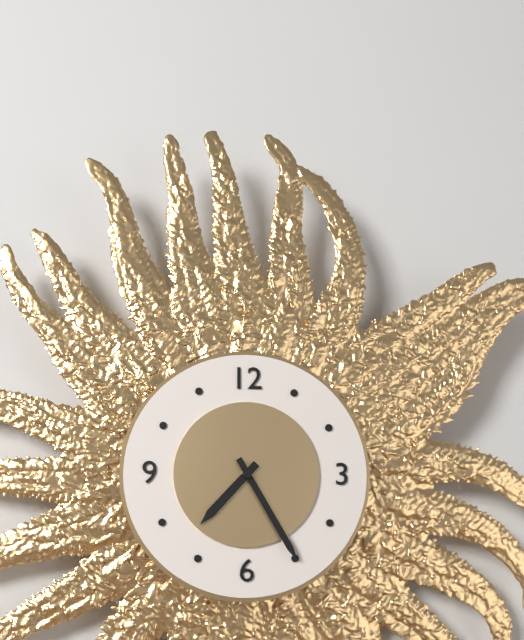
7 h 25 min
